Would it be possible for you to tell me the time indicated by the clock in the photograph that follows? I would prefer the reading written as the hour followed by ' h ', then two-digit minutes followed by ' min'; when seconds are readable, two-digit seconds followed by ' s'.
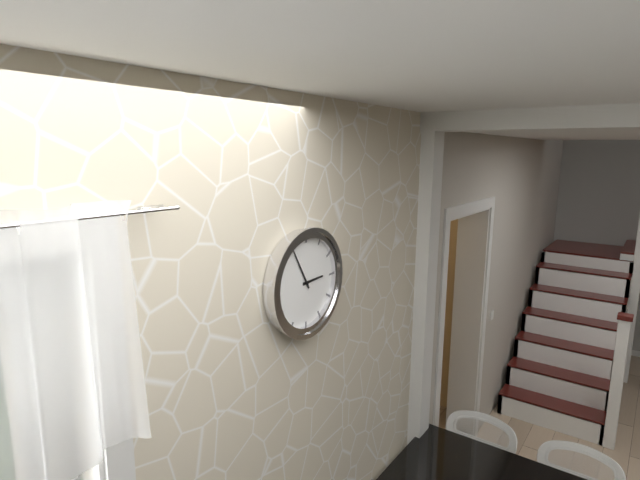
2 h 55 min
